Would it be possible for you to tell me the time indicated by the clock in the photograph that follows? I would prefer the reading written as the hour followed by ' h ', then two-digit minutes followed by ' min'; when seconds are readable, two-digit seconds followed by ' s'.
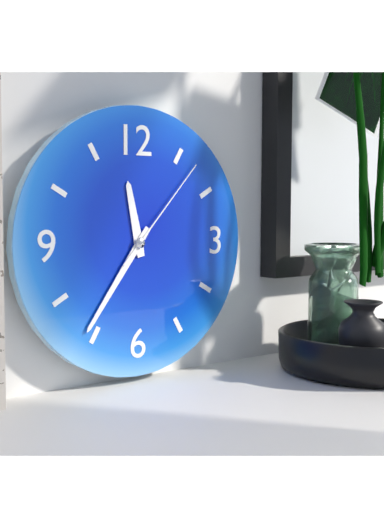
11 h 36 min 07 s
